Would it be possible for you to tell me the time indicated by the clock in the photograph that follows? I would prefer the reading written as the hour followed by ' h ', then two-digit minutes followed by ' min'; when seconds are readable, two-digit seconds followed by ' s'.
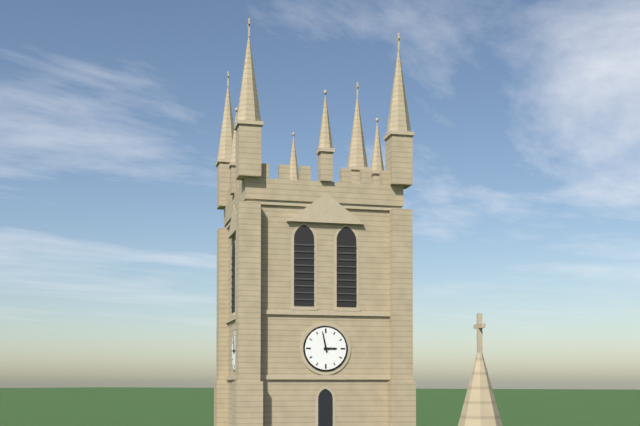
2 h 58 min
